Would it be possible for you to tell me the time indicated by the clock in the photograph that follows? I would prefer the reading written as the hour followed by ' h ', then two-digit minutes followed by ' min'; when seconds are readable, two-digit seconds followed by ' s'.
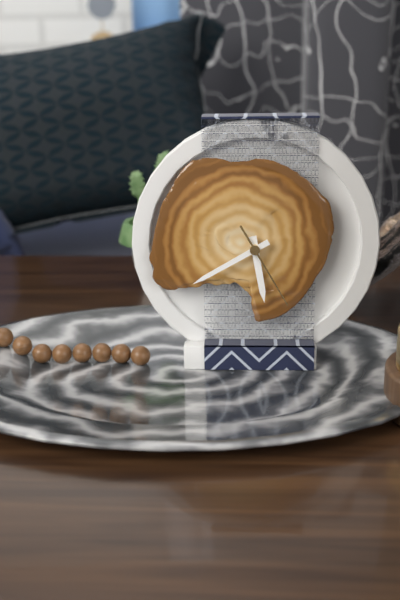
5 h 40 min 25 s
